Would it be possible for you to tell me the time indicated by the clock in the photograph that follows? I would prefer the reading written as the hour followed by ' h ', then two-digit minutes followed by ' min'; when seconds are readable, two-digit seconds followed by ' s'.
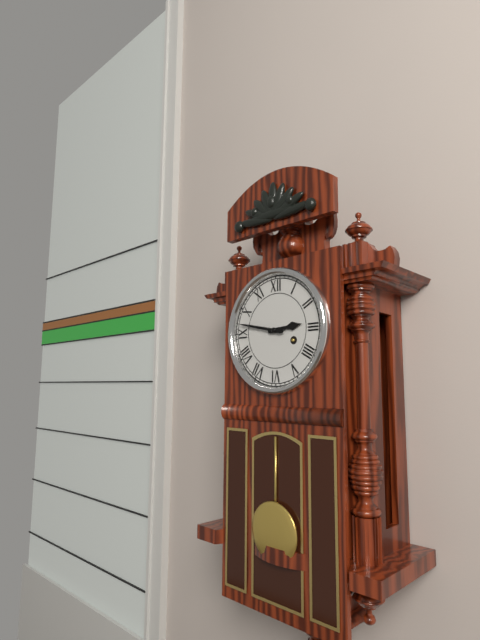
2 h 47 min
